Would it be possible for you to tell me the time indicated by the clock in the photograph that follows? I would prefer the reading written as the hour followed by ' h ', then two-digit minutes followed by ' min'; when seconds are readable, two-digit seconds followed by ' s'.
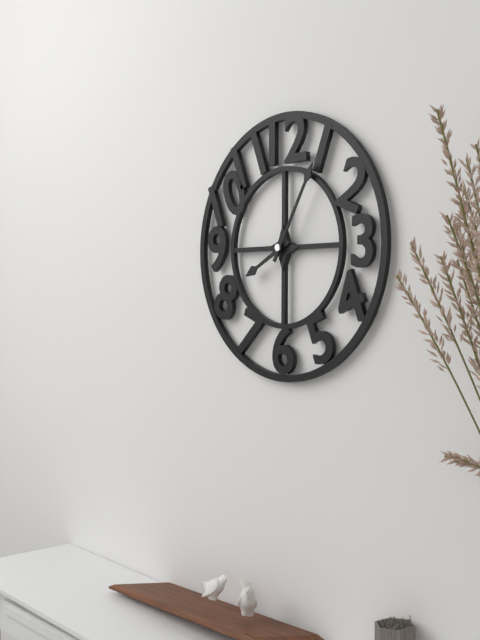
8 h 05 min
